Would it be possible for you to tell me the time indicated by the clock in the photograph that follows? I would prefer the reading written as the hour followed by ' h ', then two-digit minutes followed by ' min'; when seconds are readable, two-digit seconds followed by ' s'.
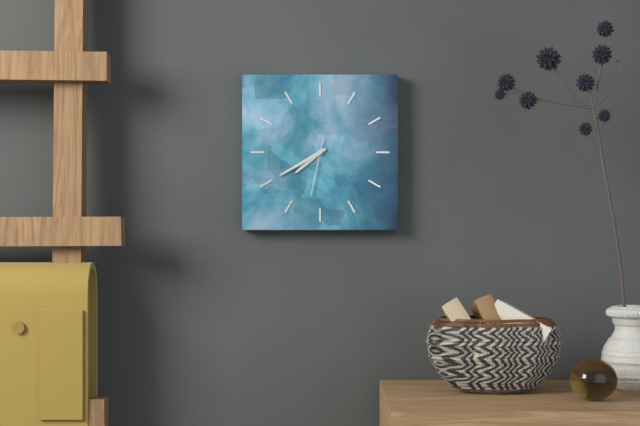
7 h 40 min 32 s
